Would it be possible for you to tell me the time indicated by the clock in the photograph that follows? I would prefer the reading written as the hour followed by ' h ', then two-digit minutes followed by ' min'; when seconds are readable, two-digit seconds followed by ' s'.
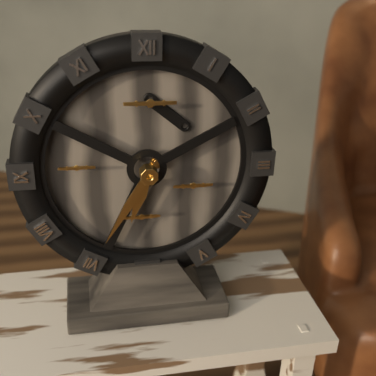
6 h 35 min
